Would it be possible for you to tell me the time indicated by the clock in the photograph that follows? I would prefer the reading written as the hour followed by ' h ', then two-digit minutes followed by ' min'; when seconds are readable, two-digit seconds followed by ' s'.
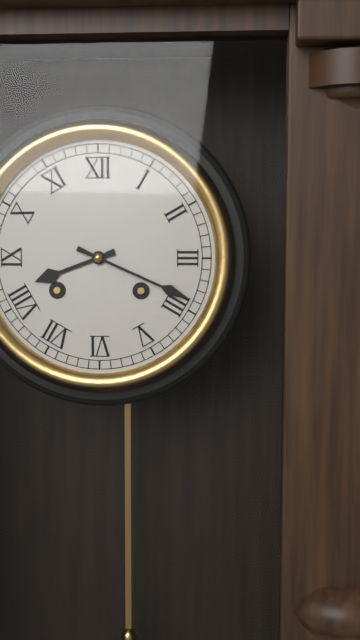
8 h 19 min
